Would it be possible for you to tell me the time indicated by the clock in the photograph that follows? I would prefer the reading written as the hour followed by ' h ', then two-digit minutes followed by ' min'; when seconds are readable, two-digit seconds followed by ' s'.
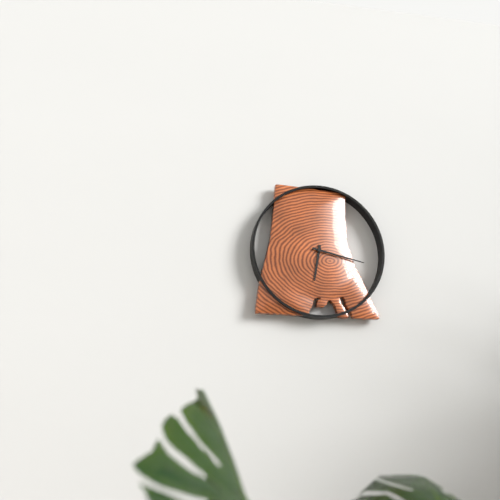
6 h 17 min
